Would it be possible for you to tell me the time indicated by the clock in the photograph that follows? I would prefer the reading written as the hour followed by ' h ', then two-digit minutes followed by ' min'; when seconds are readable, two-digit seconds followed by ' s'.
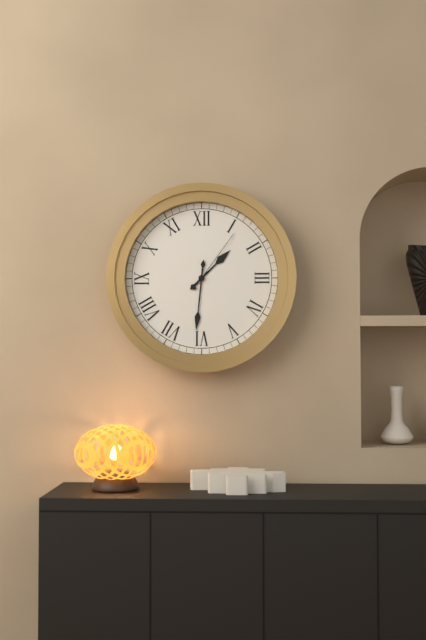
1 h 31 min 06 s
